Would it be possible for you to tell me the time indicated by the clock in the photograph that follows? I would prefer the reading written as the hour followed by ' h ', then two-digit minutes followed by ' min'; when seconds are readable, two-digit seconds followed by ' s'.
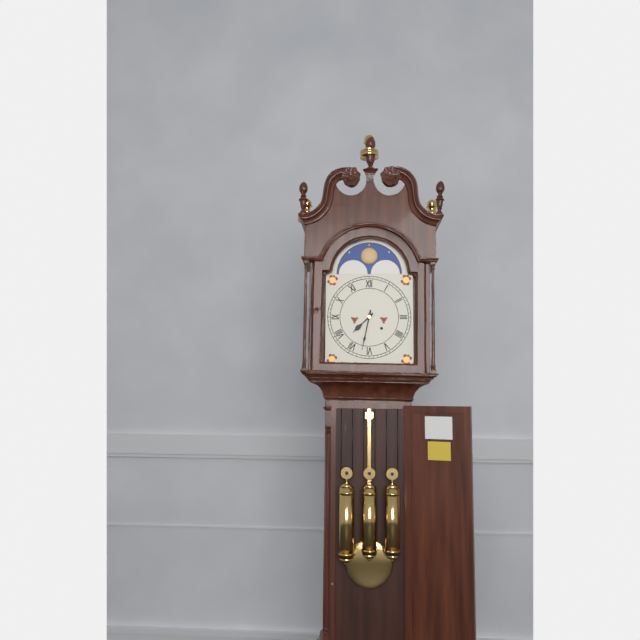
7 h 32 min
